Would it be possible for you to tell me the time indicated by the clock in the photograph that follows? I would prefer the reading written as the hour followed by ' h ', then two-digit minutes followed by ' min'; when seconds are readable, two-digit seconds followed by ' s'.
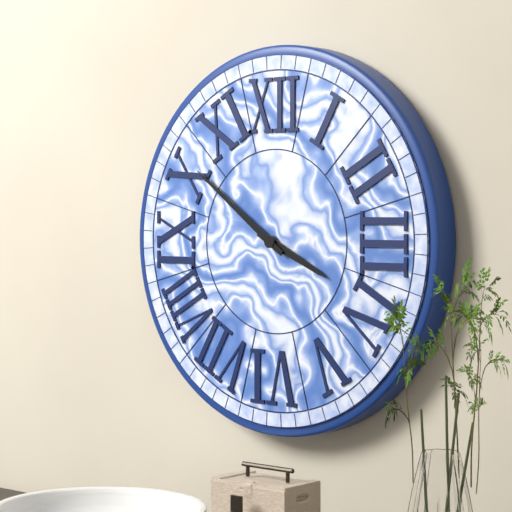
3 h 51 min
